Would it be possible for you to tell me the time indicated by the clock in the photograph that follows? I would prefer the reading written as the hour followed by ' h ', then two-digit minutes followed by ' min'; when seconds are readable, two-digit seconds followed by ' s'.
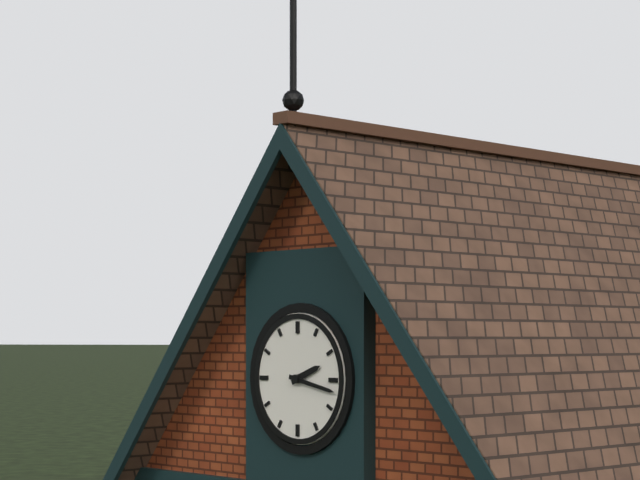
2 h 17 min
